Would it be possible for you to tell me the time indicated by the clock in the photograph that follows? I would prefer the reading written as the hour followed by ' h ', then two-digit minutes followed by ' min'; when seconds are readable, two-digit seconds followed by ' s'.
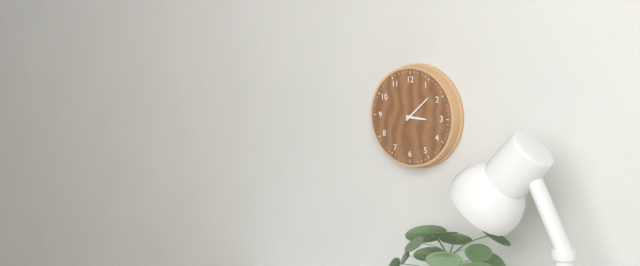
3 h 08 min
